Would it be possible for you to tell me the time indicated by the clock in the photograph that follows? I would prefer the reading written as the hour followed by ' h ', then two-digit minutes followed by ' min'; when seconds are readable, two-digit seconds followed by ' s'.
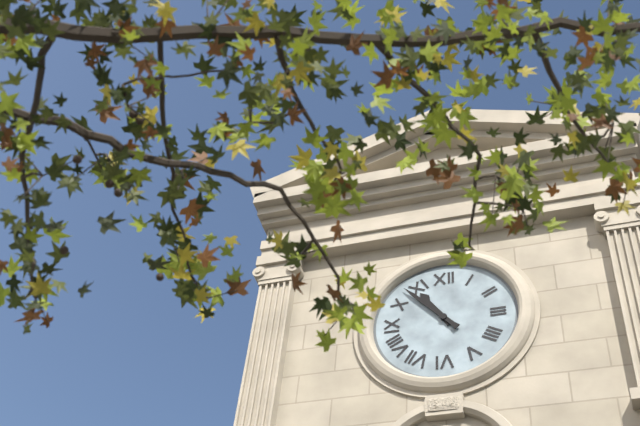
10 h 53 min
